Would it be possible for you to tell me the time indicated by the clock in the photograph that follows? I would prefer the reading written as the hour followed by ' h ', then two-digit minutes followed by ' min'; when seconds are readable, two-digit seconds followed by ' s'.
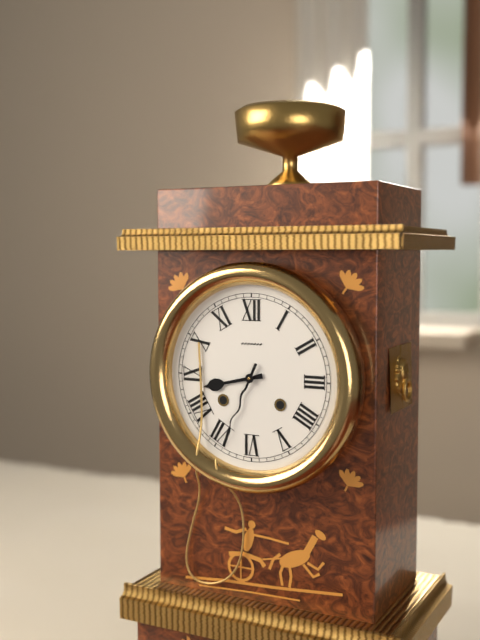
8 h 34 min
